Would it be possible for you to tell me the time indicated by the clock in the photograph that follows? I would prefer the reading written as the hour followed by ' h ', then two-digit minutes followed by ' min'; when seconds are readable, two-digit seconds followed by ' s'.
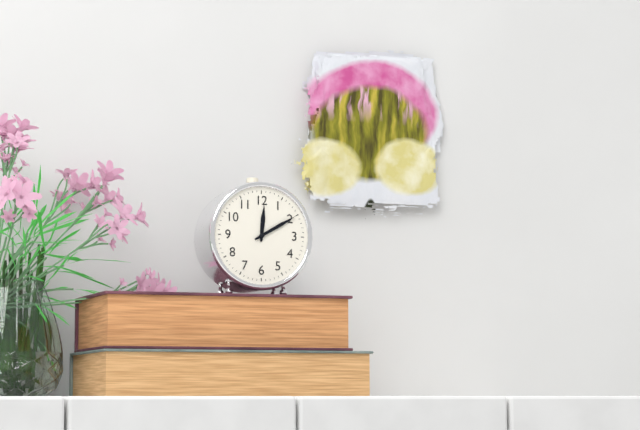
12 h 10 min
